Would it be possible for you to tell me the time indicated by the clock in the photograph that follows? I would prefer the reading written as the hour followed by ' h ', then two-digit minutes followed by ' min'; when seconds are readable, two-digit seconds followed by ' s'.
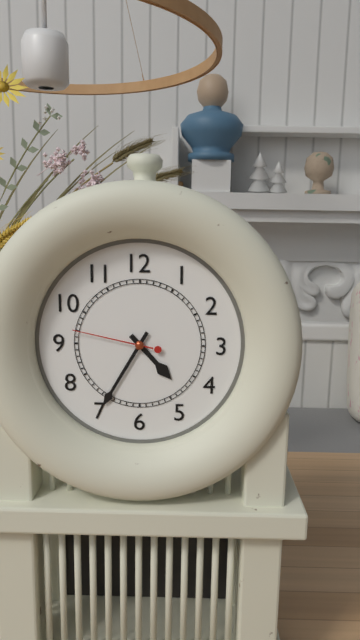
4 h 35 min 47 s
